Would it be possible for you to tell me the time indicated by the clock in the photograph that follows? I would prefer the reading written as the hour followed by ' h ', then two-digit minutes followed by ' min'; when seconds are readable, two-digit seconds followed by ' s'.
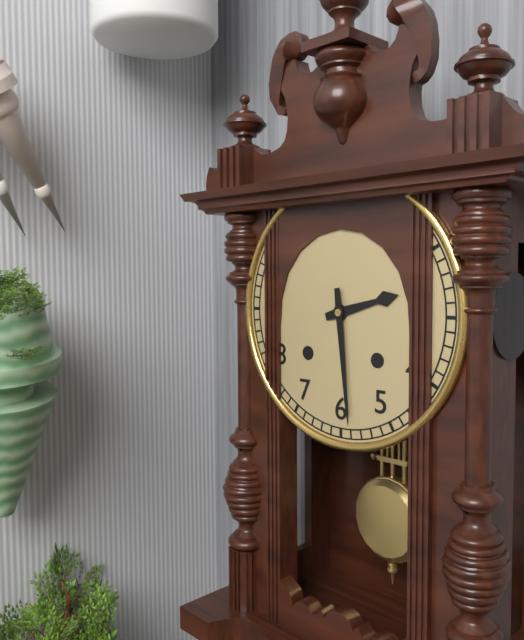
2 h 29 min
